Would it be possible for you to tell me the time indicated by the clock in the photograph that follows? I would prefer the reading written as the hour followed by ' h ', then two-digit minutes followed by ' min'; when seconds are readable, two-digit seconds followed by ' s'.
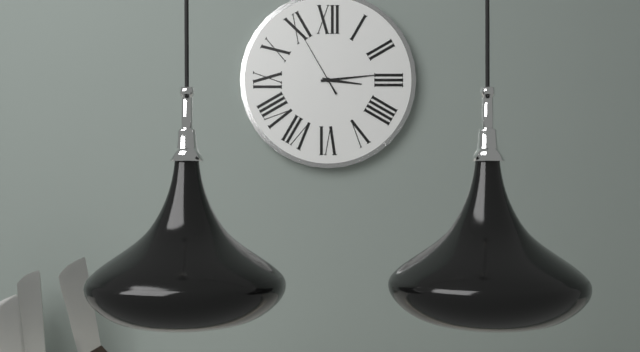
3 h 14 min 55 s
